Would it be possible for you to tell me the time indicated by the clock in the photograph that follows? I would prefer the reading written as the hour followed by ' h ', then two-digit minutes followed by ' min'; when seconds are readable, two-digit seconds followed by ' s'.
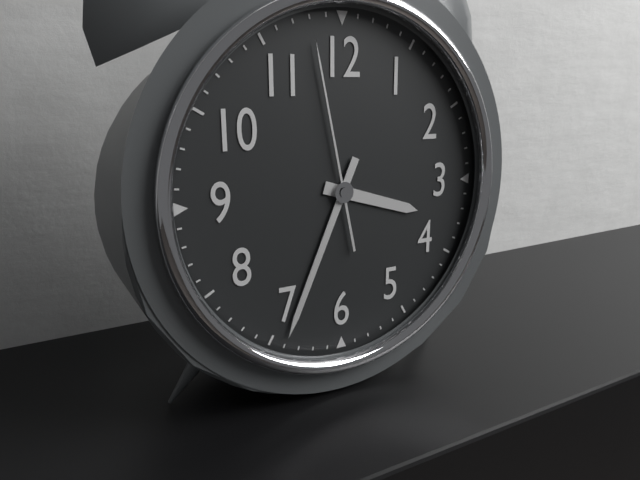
3 h 34 min 58 s
